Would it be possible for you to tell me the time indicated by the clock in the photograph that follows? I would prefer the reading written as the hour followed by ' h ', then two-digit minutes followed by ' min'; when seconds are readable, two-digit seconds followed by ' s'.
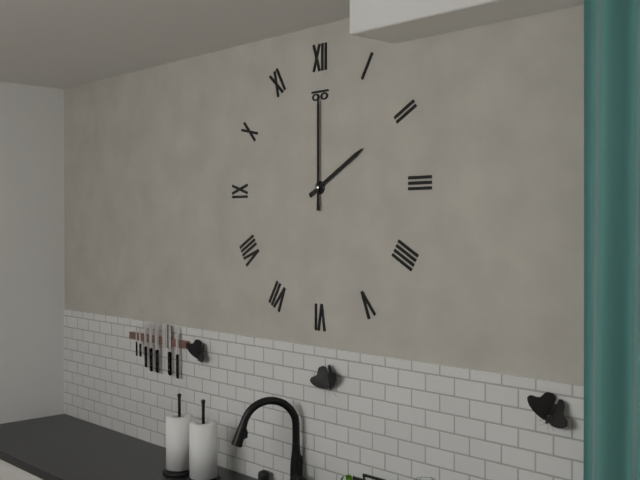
2 h 00 min
